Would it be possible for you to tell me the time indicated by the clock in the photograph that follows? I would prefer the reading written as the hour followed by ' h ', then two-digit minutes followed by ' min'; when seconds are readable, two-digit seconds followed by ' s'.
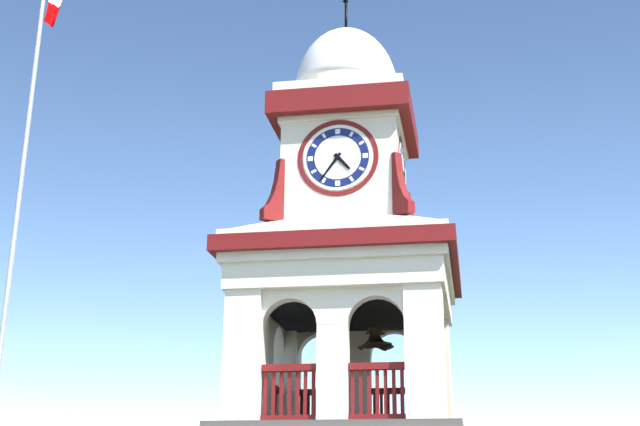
4 h 36 min
